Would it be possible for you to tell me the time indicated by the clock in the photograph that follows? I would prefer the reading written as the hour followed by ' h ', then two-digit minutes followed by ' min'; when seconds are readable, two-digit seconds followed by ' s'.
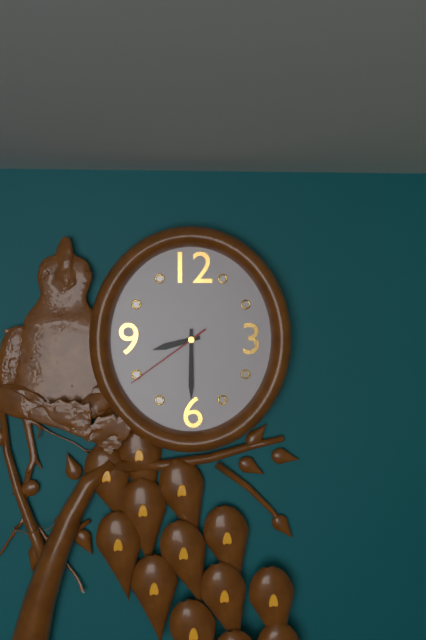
8 h 30 min 39 s
